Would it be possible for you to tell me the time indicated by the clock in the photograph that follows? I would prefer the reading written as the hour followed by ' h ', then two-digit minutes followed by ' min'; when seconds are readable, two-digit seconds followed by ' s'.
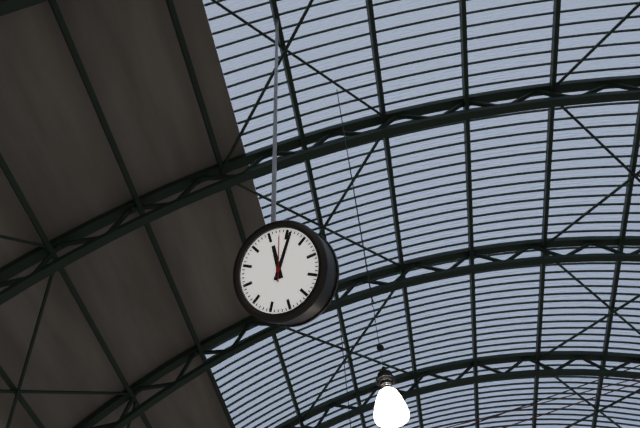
12 h 06 min
